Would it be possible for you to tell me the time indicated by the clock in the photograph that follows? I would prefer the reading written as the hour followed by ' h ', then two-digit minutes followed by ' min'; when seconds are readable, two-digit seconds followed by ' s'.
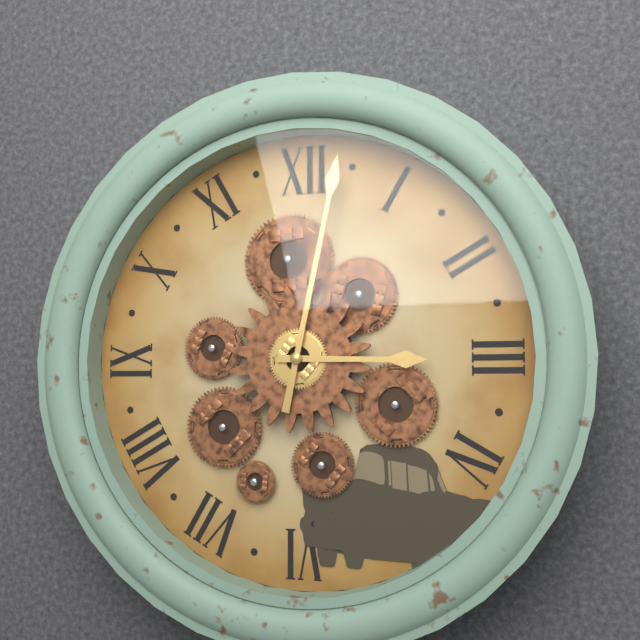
3 h 02 min
